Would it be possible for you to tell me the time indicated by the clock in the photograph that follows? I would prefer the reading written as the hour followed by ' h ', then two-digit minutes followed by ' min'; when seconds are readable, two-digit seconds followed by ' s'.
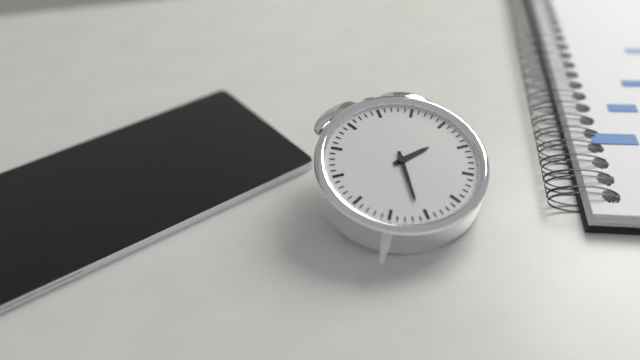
2 h 31 min
